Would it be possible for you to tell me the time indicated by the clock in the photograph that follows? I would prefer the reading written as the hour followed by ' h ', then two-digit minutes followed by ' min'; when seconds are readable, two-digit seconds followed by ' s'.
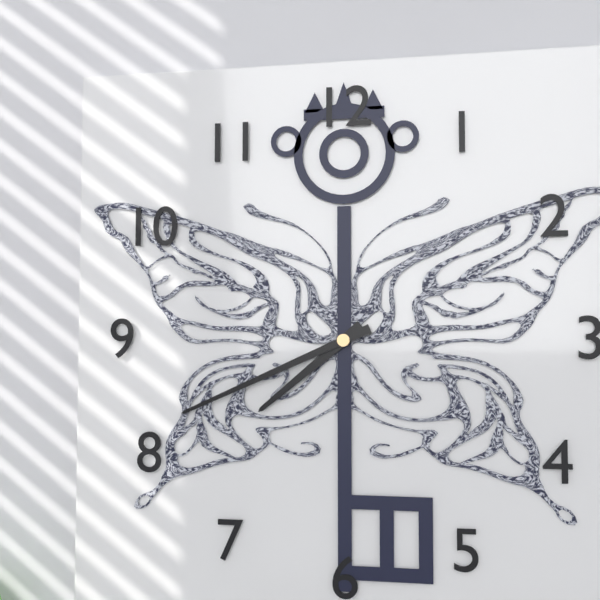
7 h 41 min
